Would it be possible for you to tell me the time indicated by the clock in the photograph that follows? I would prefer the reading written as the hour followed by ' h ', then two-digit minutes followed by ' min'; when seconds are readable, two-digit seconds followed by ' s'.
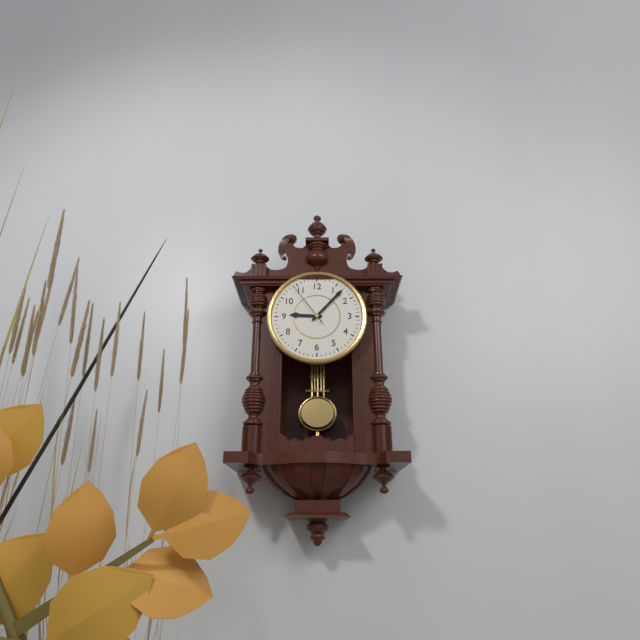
9 h 07 min
